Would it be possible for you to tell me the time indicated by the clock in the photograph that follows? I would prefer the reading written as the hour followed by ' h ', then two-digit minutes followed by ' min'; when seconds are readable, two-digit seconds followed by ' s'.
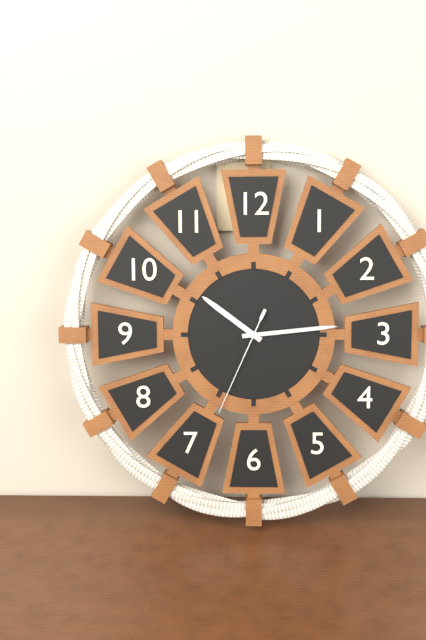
10 h 14 min 34 s
